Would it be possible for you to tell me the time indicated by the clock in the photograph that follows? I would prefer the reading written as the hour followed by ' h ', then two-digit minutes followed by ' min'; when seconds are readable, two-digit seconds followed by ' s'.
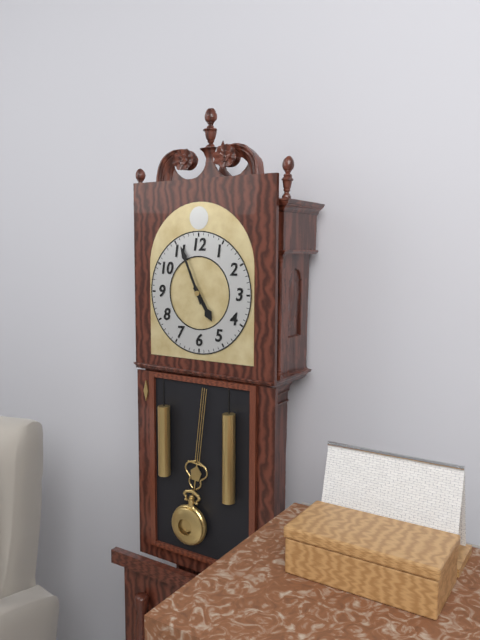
4 h 56 min
